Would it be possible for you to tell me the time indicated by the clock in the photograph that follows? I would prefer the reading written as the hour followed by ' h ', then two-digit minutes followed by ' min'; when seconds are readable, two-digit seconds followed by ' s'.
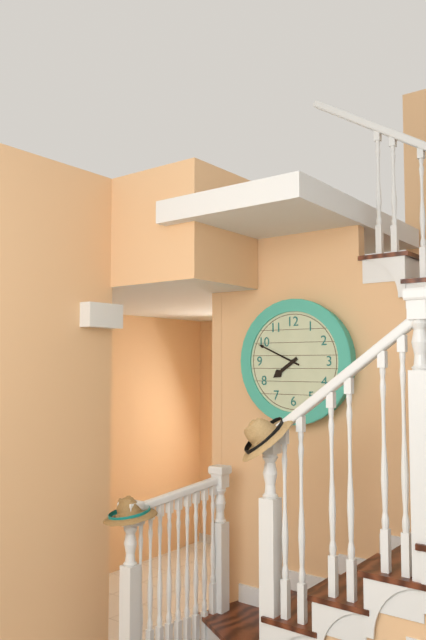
7 h 49 min
